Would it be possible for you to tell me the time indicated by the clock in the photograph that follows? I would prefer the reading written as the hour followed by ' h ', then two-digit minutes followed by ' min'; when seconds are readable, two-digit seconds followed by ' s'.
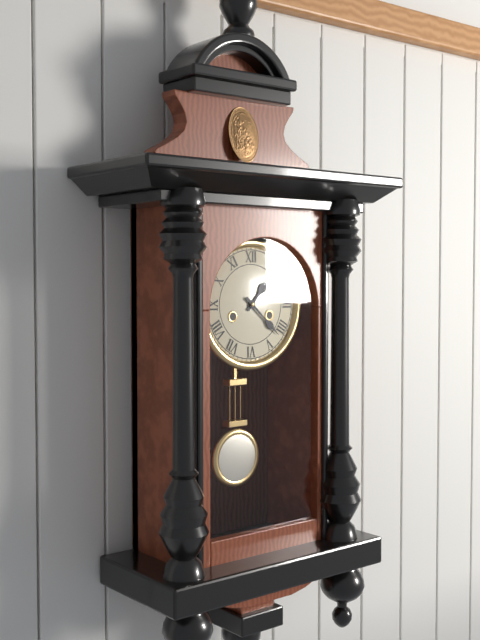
1 h 22 min
